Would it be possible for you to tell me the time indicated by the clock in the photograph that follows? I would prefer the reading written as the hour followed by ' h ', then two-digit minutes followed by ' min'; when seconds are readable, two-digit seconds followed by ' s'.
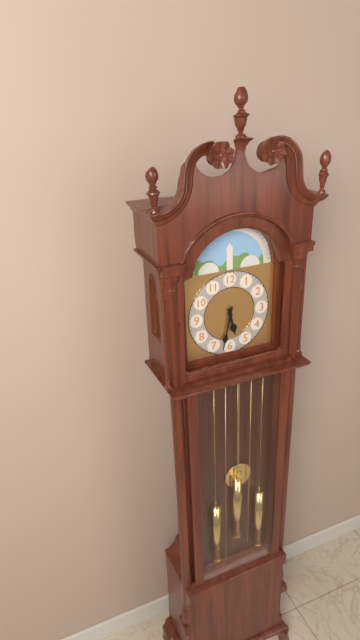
5 h 32 min
